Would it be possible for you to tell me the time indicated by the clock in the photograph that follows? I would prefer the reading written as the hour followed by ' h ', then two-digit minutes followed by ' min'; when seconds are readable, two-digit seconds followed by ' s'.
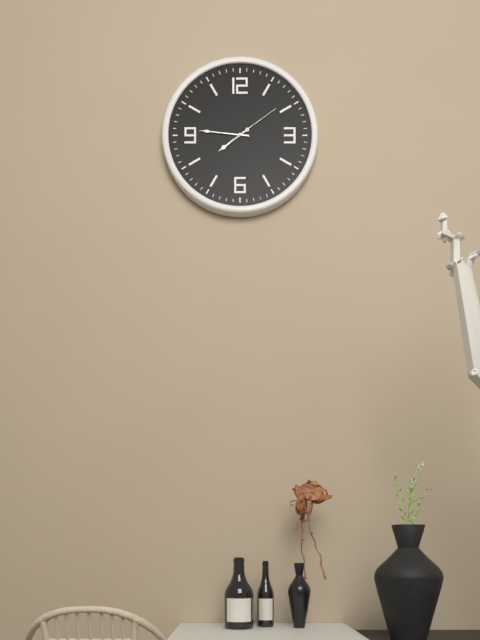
7 h 46 min 09 s
